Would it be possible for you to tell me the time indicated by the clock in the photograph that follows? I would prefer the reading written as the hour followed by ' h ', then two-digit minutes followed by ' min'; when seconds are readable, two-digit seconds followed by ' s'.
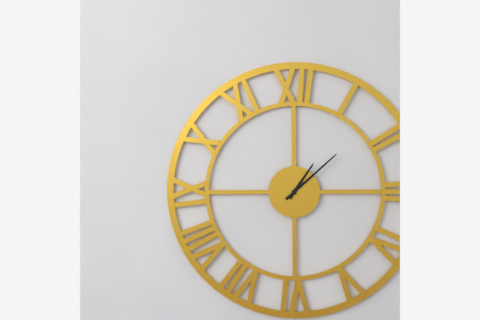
1 h 08 min
